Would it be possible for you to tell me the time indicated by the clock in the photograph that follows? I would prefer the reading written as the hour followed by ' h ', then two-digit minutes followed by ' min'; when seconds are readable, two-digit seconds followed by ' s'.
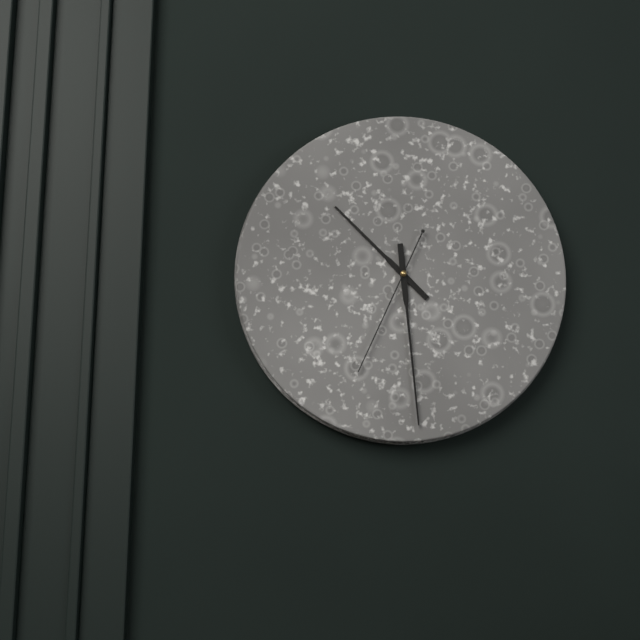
10 h 29 min 34 s
